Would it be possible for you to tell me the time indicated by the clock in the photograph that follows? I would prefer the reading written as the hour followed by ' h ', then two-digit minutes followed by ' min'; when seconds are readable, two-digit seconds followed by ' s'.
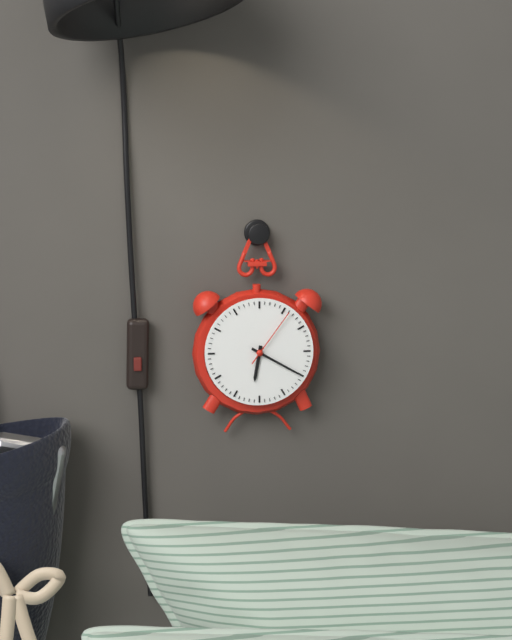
6 h 20 min 06 s
